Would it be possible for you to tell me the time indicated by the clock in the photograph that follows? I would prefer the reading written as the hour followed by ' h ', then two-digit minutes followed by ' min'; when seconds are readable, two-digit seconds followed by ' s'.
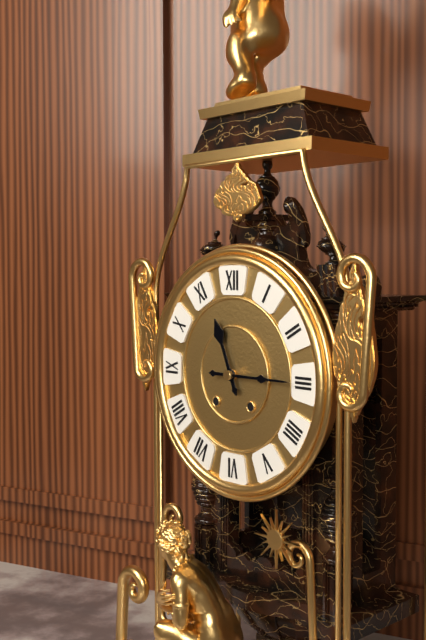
11 h 15 min
